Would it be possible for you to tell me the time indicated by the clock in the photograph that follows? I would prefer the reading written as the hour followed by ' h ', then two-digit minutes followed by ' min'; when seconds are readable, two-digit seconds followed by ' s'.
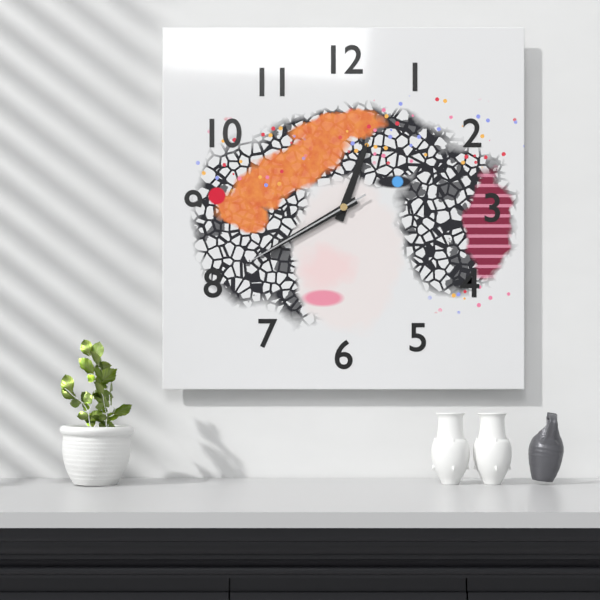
12 h 40 min 40 s
